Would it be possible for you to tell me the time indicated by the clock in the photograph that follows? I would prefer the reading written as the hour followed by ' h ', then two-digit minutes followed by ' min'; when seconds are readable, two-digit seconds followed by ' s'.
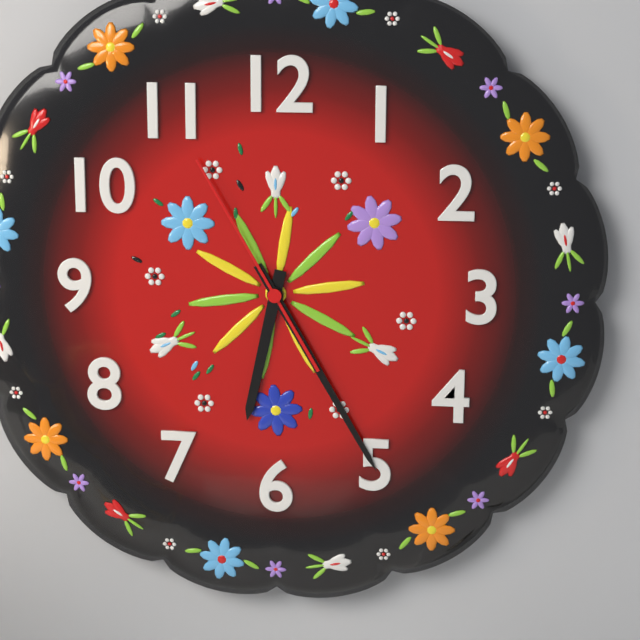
6 h 25 min 55 s
